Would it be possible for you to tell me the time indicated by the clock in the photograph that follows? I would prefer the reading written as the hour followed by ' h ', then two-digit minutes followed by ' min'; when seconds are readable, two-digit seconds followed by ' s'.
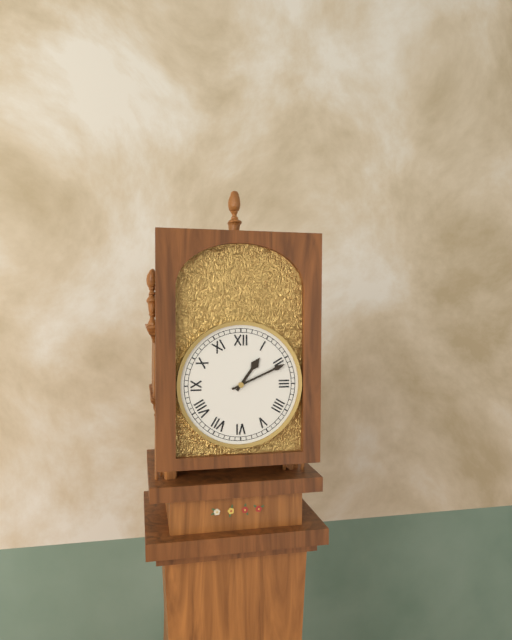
1 h 11 min
